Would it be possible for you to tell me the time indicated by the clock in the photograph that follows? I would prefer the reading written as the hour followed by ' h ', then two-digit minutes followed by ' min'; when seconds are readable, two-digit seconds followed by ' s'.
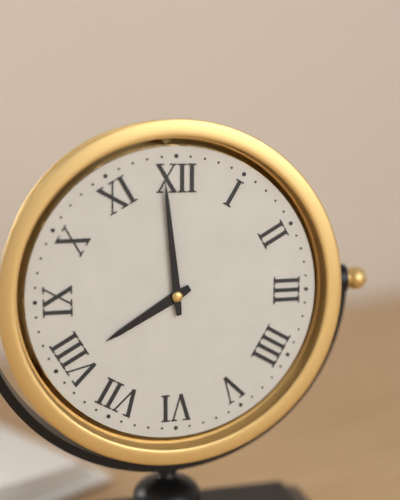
7 h 59 min
